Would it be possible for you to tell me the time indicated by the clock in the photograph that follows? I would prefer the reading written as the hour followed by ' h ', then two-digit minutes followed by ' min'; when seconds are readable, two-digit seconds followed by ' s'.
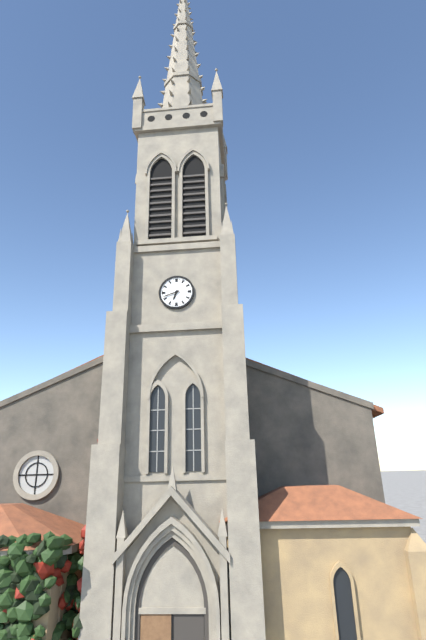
6 h 42 min
